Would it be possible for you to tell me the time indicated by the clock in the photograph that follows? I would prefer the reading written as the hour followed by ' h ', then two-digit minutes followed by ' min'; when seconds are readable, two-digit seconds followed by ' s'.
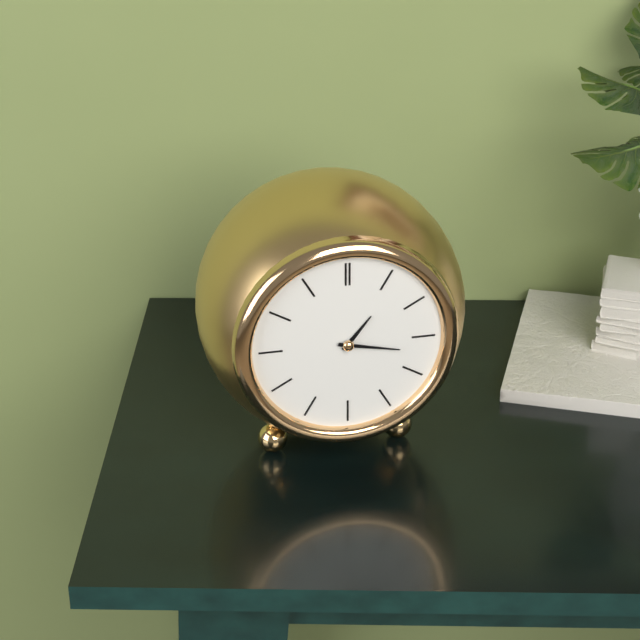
1 h 17 min
